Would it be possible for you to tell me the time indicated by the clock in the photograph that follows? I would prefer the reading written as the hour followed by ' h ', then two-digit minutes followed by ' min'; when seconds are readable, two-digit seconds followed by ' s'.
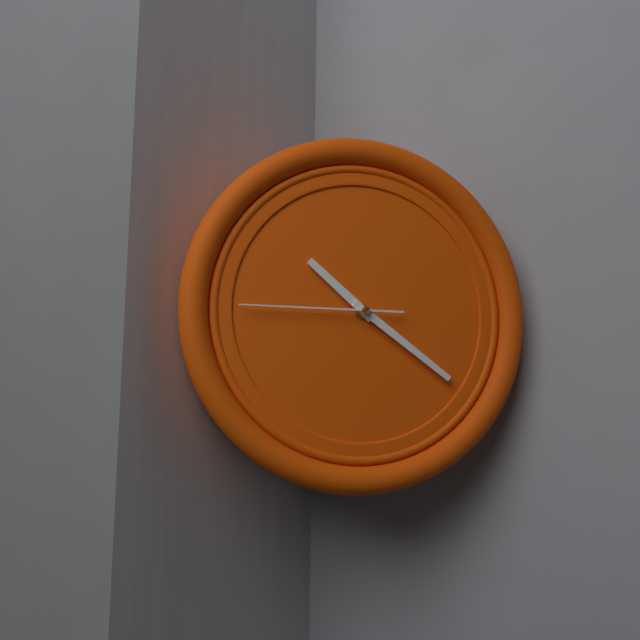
10 h 21 min 45 s
